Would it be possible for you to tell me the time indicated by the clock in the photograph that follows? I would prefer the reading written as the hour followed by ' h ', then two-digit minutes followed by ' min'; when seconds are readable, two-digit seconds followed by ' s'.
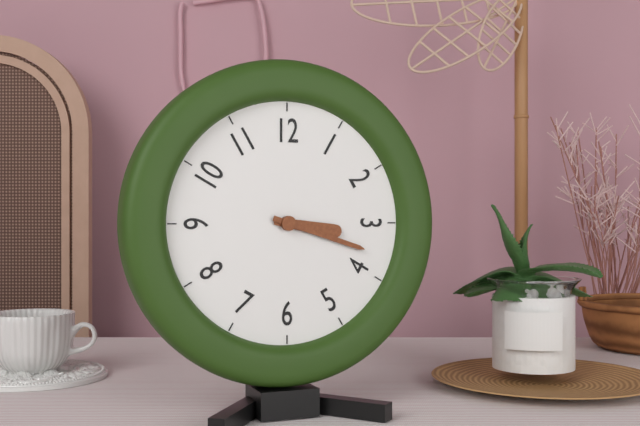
3 h 18 min
